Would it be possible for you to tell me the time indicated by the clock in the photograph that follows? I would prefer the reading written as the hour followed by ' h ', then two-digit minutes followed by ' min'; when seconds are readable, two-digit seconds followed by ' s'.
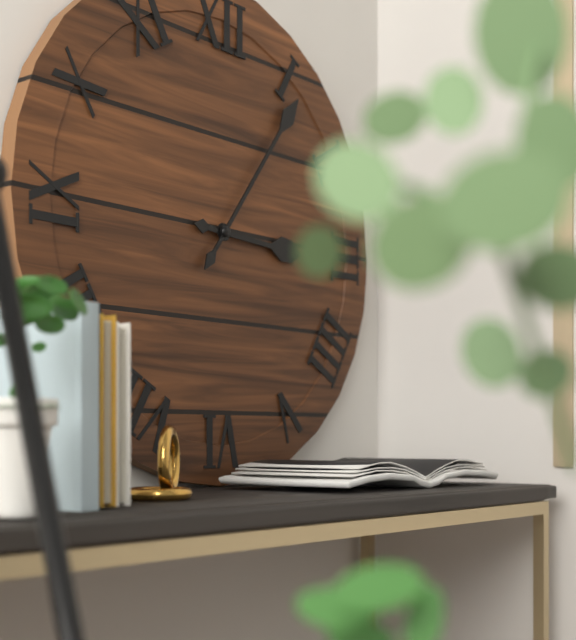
3 h 06 min
